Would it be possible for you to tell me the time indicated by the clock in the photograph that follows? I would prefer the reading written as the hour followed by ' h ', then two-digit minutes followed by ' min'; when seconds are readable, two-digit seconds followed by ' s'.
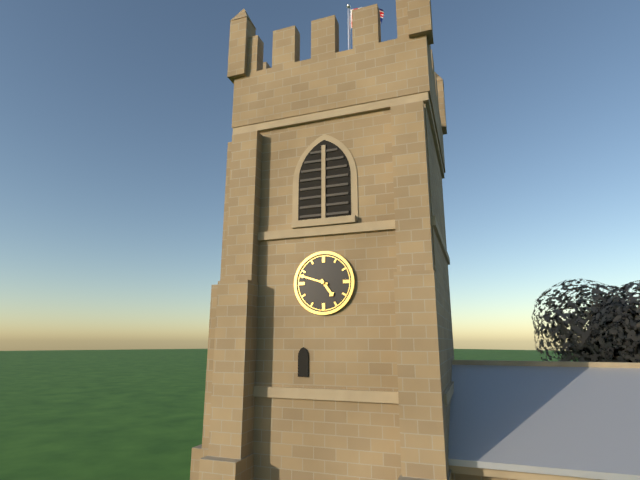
4 h 48 min
